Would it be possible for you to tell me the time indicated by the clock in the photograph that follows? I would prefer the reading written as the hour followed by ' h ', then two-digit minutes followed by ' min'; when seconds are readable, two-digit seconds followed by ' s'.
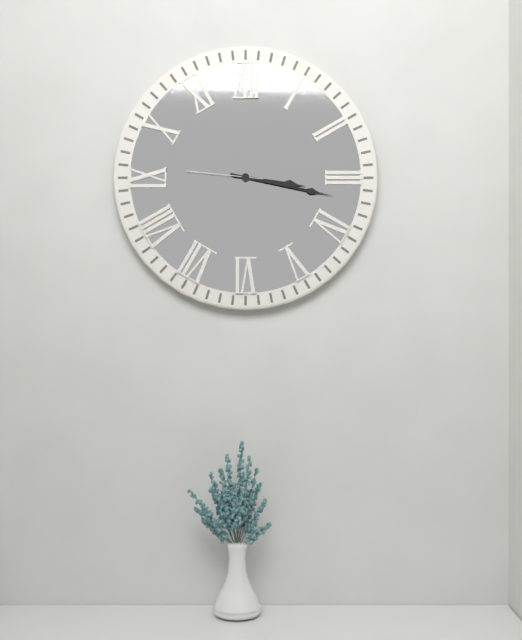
3 h 17 min 46 s
